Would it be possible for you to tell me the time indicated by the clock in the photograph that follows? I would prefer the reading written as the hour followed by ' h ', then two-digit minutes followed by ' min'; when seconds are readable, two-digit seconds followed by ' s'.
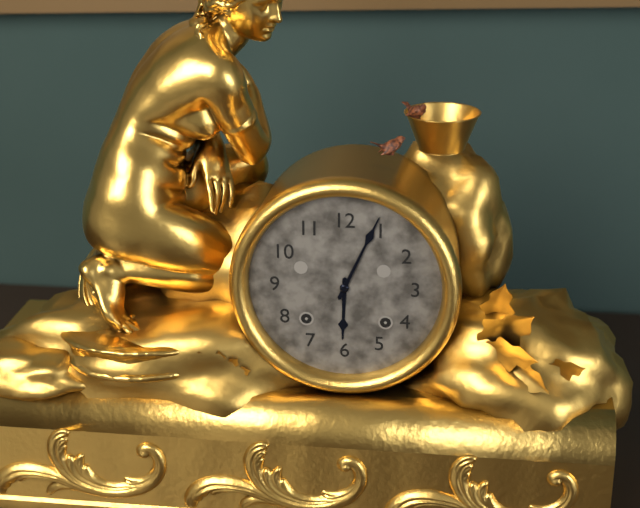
6 h 04 min
